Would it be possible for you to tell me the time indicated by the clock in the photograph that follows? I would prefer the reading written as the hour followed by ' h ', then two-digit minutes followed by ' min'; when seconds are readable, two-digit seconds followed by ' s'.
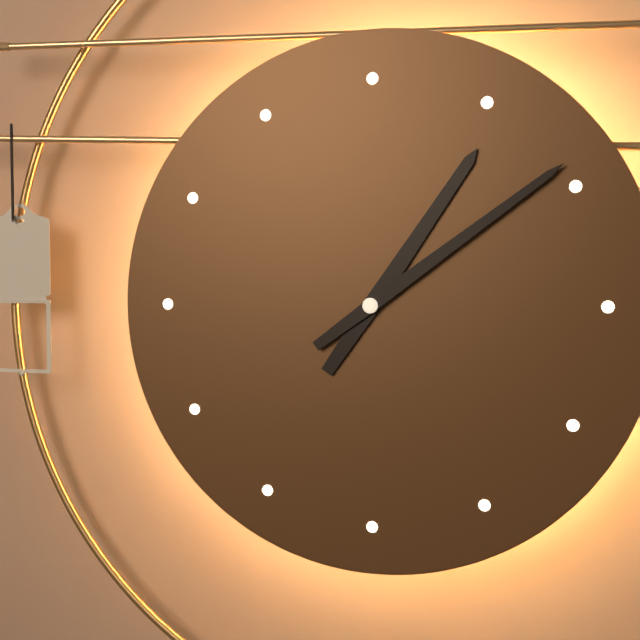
1 h 09 min
